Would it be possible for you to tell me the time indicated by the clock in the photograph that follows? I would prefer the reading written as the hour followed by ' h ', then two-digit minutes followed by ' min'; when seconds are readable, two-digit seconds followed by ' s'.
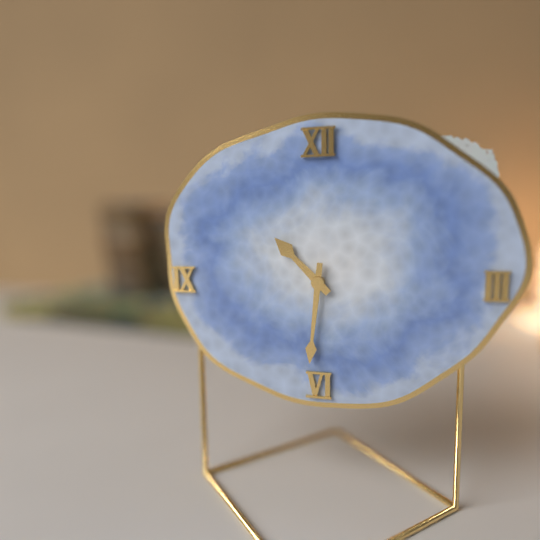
10 h 31 min
